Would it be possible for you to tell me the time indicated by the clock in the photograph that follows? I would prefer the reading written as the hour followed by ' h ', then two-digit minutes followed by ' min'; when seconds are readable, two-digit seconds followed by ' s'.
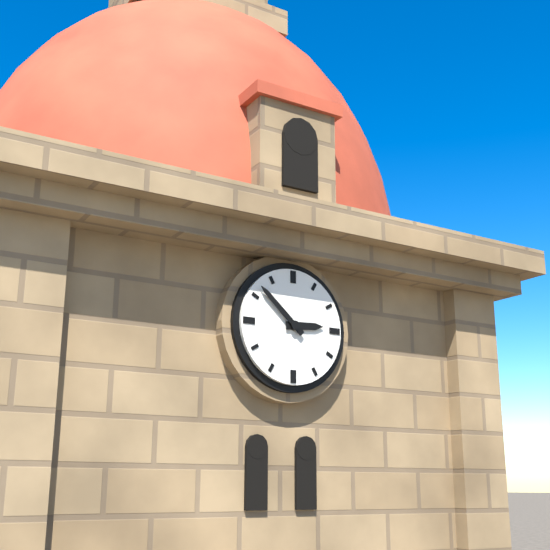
2 h 52 min
